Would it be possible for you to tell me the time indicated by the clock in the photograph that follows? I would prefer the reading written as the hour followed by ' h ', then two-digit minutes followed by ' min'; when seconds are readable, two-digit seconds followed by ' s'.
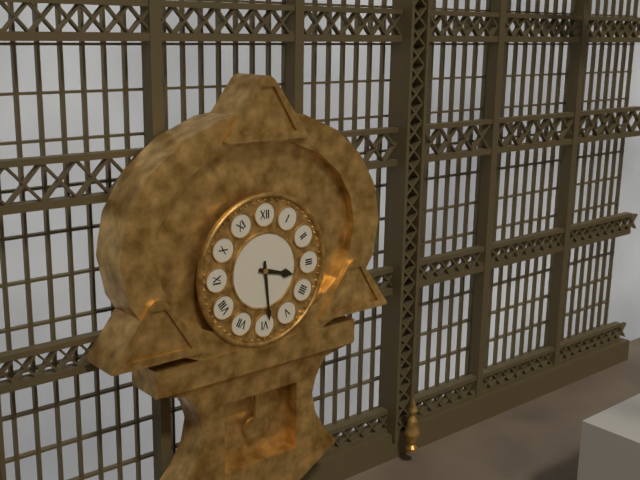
3 h 29 min
